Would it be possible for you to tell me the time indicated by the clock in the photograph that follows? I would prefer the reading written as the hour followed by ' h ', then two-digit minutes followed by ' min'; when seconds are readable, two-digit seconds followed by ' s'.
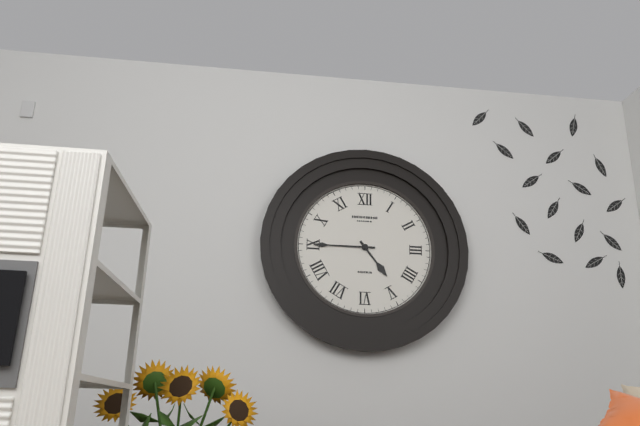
4 h 45 min
